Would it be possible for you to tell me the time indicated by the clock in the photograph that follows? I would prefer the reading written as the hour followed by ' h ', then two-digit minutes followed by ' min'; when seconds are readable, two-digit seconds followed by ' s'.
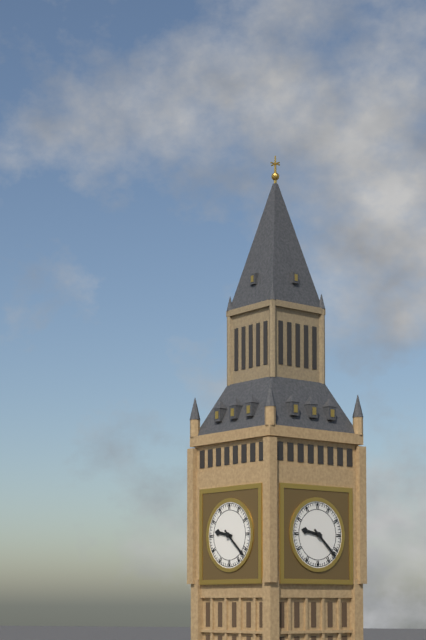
9 h 22 min
